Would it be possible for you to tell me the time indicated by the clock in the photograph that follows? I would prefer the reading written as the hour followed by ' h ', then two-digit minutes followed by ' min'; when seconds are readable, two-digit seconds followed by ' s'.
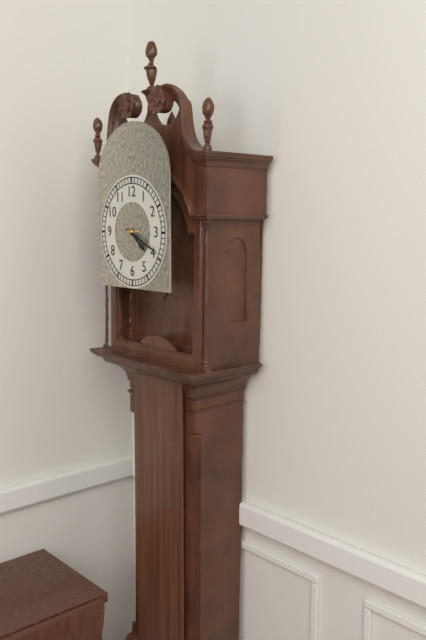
4 h 19 min
